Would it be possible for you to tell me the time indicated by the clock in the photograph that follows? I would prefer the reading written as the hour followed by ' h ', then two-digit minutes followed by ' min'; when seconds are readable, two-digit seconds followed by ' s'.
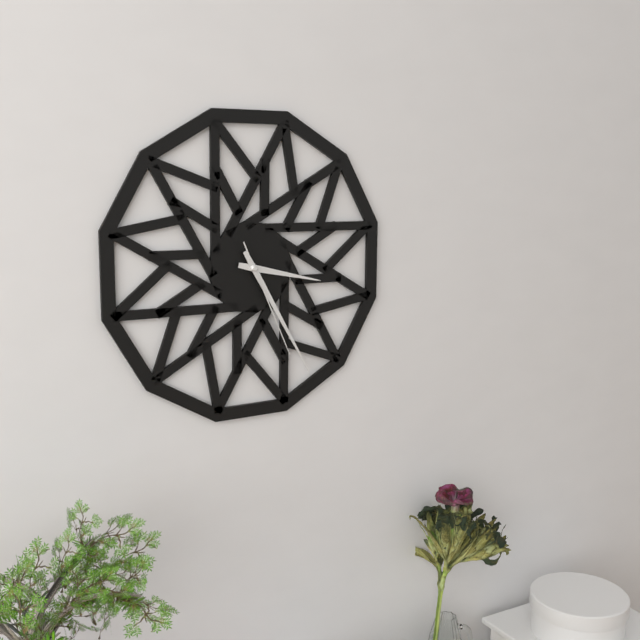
3 h 25 min 26 s
